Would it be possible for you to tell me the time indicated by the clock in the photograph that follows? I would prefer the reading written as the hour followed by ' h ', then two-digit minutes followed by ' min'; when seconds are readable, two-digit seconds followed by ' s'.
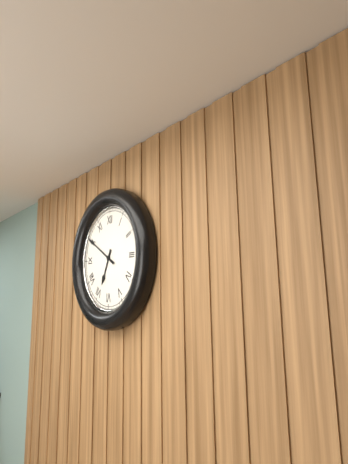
6 h 50 min
